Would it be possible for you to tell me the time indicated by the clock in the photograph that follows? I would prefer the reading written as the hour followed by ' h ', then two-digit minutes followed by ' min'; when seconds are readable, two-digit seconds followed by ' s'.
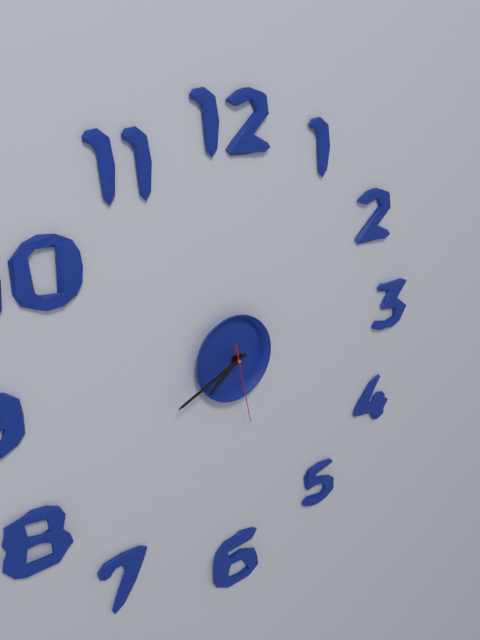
7 h 41 min 28 s
